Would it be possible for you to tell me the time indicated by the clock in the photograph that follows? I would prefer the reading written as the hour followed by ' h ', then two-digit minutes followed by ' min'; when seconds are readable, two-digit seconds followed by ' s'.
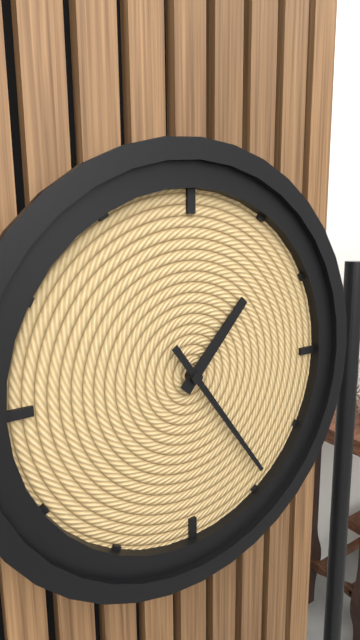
1 h 24 min
